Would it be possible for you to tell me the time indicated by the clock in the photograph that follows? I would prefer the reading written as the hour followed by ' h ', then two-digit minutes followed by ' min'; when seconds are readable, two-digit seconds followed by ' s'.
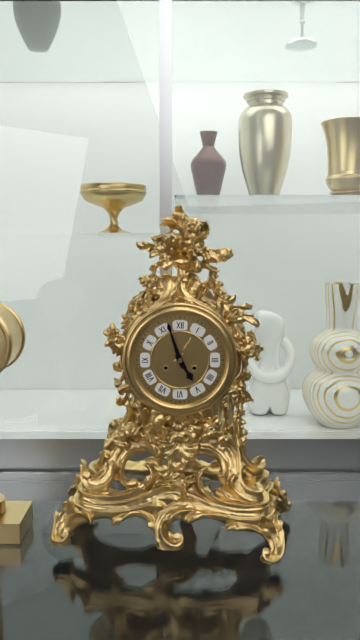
4 h 57 min
